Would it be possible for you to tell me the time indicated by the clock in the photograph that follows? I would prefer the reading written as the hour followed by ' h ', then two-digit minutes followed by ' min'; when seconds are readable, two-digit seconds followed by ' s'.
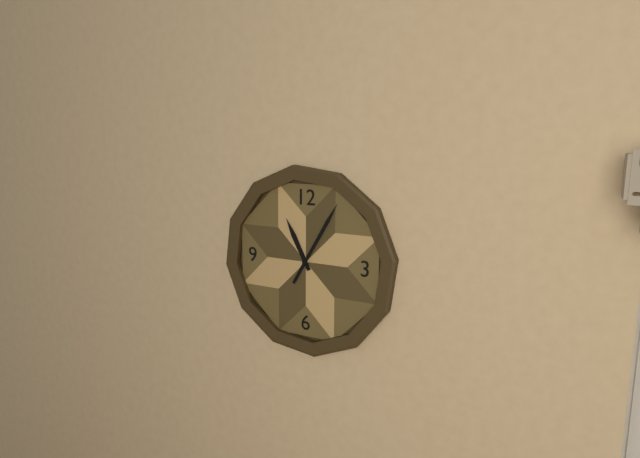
11 h 05 min
